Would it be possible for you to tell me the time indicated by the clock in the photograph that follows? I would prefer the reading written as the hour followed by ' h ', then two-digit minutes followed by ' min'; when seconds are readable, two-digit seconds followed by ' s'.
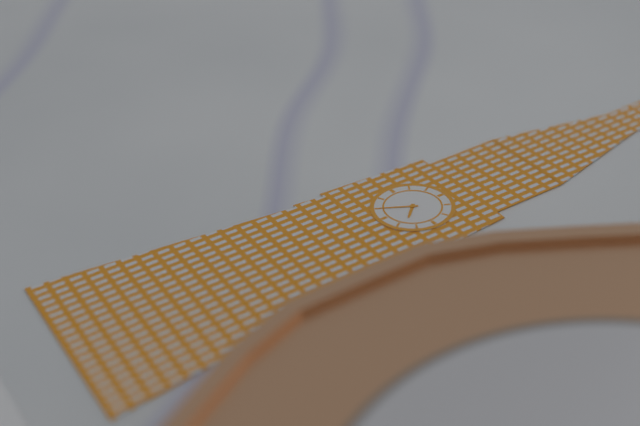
4 h 35 min
